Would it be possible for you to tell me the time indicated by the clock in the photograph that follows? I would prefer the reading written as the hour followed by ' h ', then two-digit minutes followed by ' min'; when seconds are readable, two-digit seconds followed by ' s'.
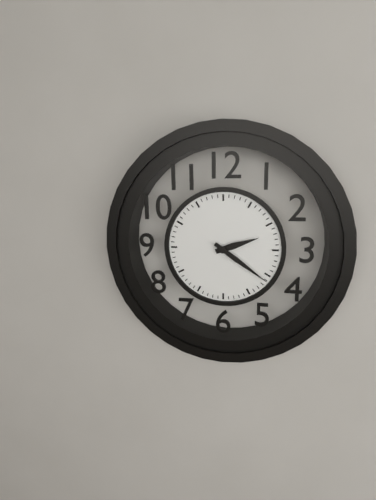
2 h 21 min
